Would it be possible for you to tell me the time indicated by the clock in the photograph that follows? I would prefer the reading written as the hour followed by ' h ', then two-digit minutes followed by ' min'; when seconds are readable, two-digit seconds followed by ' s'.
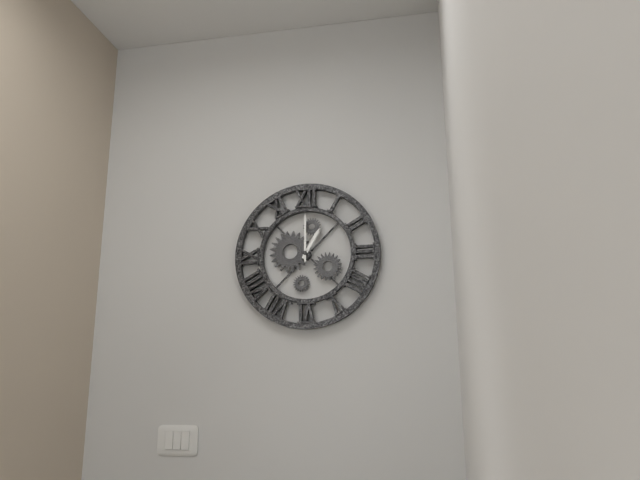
1 h 00 min
